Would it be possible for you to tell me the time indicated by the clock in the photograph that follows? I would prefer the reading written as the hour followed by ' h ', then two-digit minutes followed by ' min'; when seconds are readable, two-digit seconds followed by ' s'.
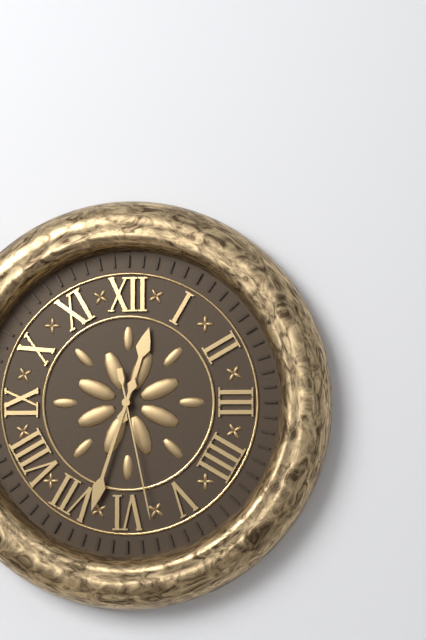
12 h 33 min 28 s
